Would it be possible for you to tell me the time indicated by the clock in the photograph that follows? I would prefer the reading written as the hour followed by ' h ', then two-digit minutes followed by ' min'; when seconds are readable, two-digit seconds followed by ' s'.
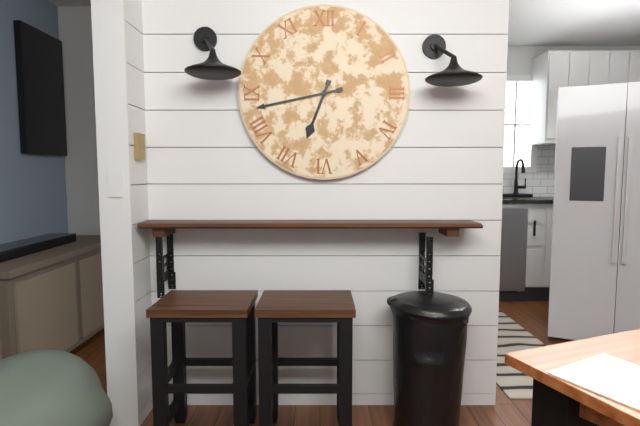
6 h 43 min
